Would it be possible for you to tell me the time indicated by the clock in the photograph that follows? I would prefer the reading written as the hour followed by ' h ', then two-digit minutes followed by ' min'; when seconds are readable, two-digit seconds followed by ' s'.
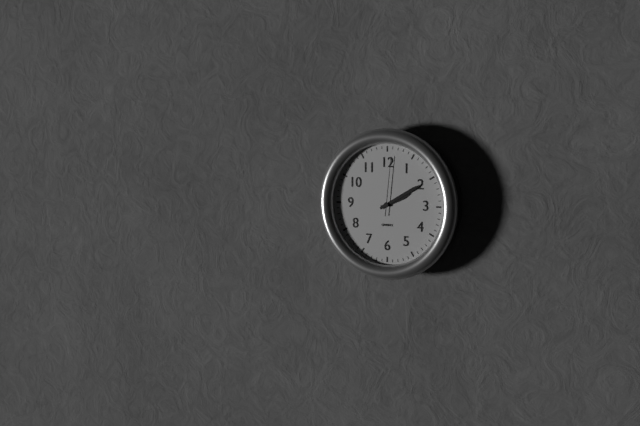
2 h 10 min 01 s
